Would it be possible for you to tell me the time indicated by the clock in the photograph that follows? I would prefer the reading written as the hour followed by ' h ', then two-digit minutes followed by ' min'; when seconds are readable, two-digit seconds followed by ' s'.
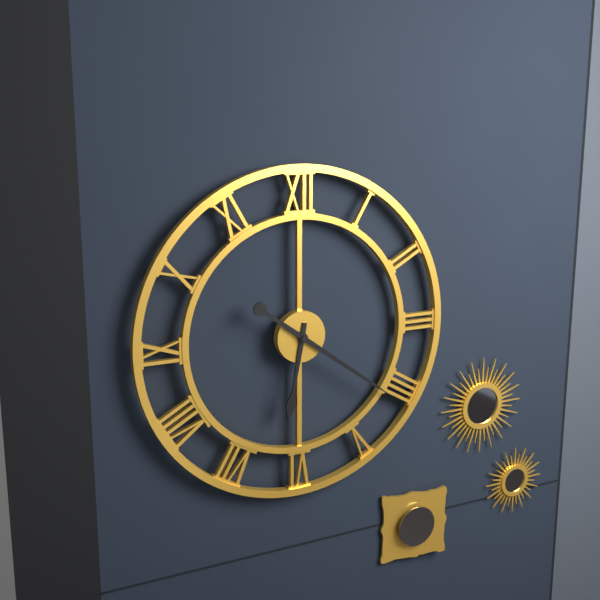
6 h 21 min
